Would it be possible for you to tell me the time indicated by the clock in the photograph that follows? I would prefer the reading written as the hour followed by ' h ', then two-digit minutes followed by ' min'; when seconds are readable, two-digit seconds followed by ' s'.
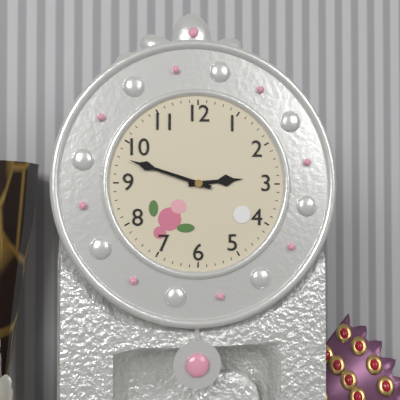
2 h 48 min
